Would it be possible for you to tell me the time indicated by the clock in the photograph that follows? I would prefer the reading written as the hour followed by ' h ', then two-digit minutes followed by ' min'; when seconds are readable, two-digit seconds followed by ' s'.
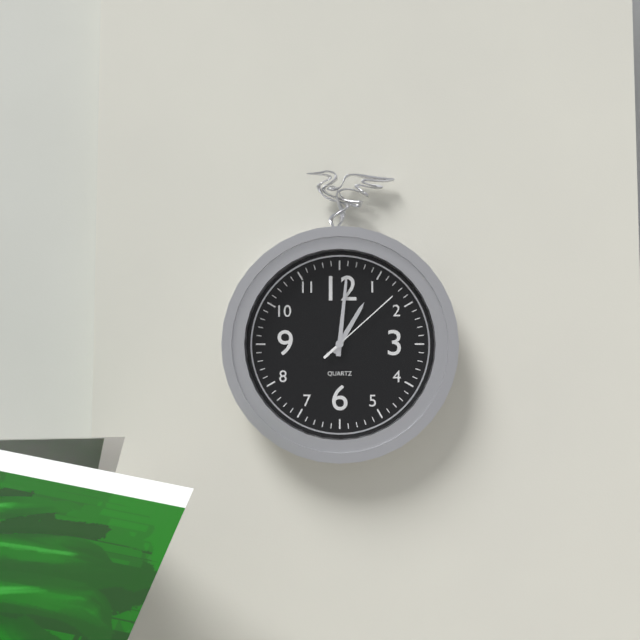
1 h 01 min 08 s
